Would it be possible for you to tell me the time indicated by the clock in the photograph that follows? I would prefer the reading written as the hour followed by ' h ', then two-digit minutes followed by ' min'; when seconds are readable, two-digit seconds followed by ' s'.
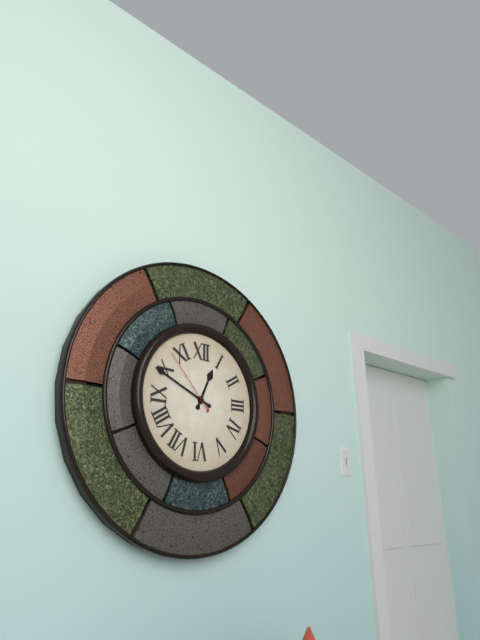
12 h 49 min 53 s
